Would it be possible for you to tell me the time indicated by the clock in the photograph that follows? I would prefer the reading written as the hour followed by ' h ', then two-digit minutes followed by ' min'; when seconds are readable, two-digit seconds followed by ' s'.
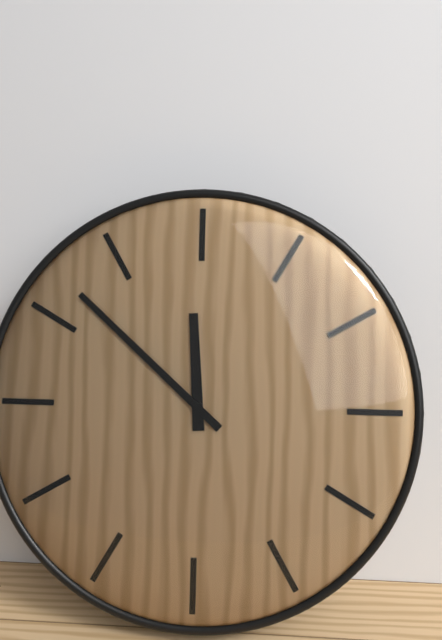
11 h 52 min
